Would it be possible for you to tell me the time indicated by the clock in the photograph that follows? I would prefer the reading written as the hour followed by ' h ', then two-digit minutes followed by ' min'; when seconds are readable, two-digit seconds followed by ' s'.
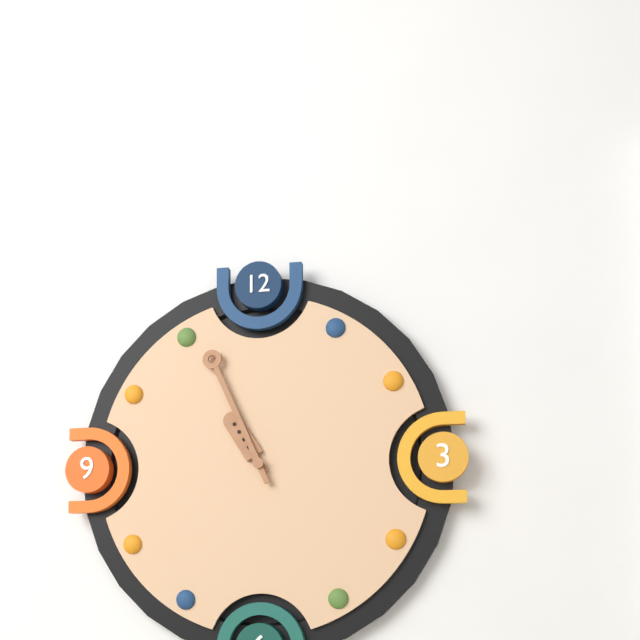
10 h 56 min
